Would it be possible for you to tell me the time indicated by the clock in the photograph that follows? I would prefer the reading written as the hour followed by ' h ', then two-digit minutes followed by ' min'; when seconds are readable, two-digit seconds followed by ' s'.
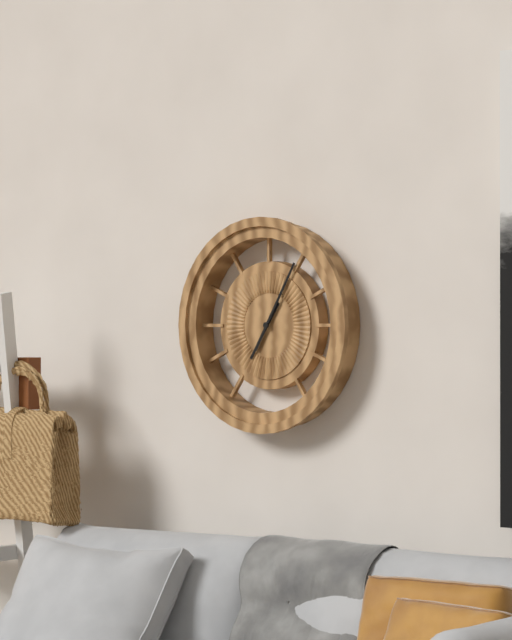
7 h 05 min
